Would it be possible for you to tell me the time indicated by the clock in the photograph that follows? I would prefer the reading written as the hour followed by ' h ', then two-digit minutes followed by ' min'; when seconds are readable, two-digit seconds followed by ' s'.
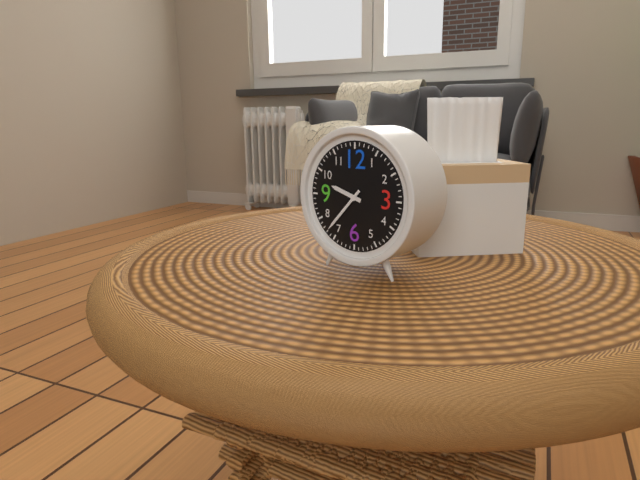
9 h 37 min
